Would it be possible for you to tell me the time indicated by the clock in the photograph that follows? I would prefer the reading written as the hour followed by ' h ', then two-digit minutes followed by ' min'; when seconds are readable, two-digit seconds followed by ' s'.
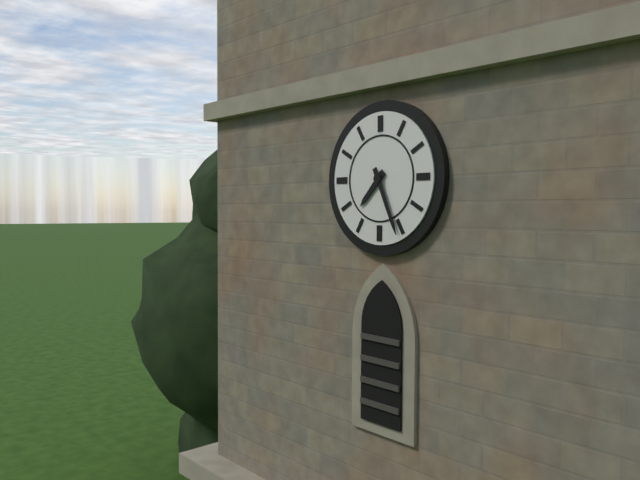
7 h 26 min
